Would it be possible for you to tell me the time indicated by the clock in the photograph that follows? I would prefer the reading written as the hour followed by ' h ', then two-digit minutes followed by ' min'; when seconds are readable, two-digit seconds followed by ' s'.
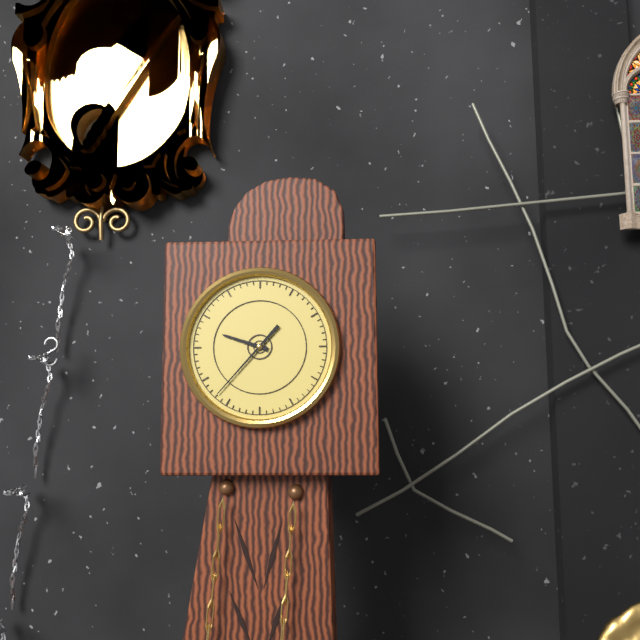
9 h 37 min
